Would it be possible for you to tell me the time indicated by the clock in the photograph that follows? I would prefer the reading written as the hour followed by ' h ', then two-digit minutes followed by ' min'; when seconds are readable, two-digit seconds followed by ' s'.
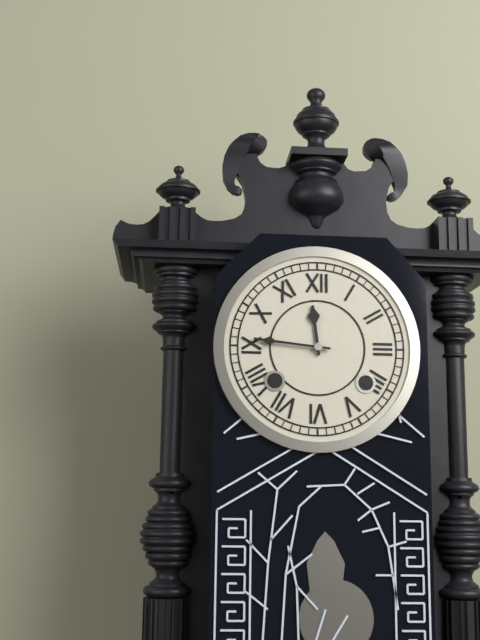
11 h 46 min
